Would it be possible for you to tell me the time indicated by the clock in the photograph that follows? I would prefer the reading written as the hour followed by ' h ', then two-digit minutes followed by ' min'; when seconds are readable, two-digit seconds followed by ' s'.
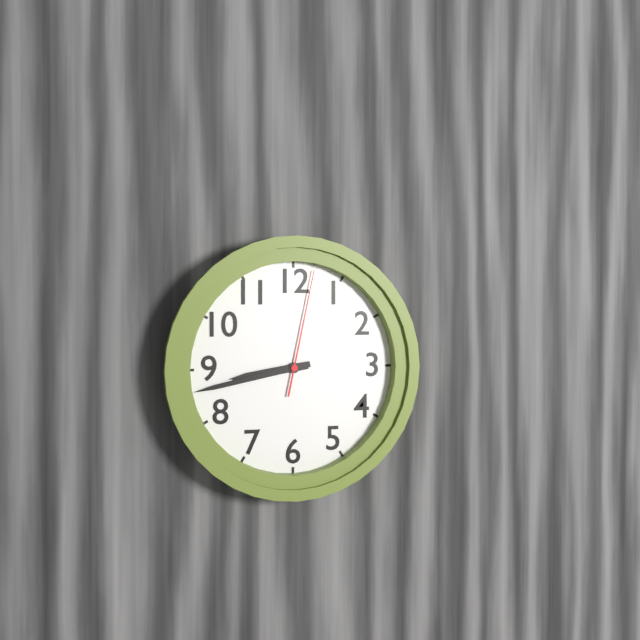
8 h 43 min 02 s
